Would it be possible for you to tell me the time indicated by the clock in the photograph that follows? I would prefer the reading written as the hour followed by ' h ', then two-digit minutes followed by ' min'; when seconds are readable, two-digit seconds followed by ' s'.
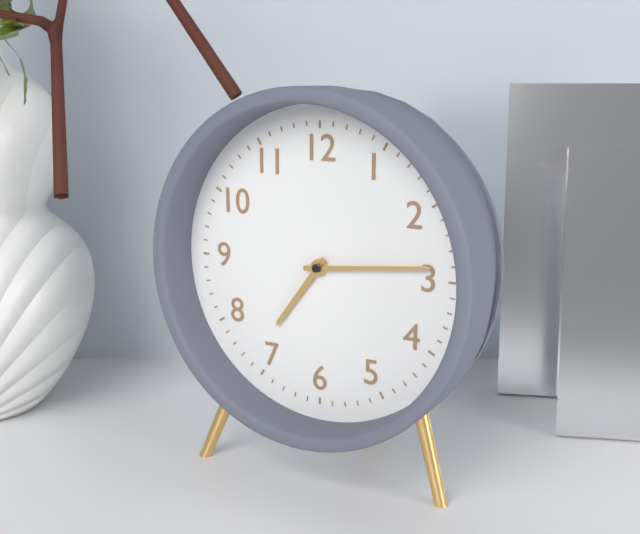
7 h 14 min
